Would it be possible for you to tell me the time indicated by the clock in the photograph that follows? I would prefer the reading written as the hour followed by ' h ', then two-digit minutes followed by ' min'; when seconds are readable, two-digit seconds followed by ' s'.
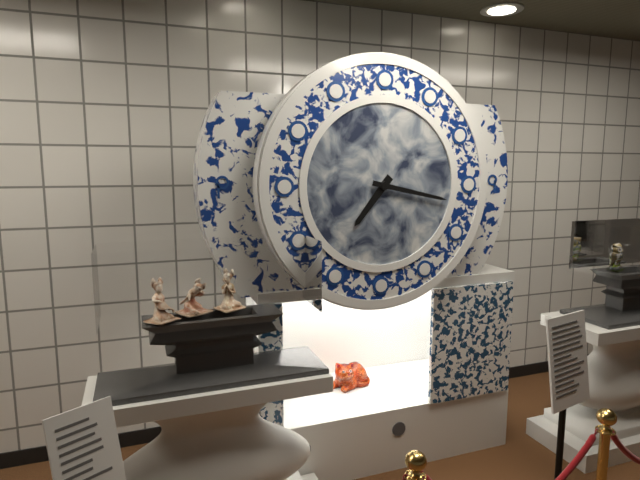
7 h 17 min
